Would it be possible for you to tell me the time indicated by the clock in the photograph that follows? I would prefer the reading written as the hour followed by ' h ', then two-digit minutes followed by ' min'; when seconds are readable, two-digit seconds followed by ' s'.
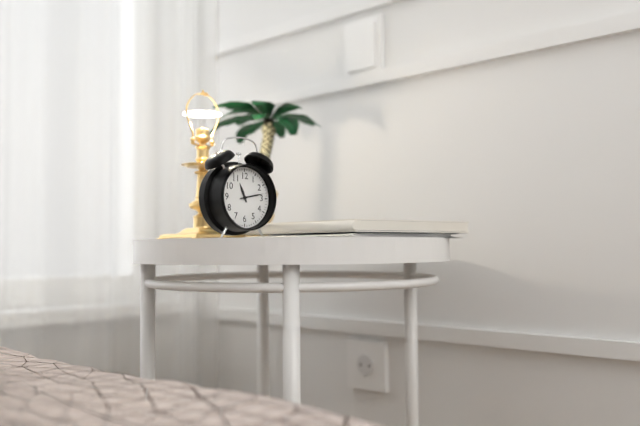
11 h 13 min
